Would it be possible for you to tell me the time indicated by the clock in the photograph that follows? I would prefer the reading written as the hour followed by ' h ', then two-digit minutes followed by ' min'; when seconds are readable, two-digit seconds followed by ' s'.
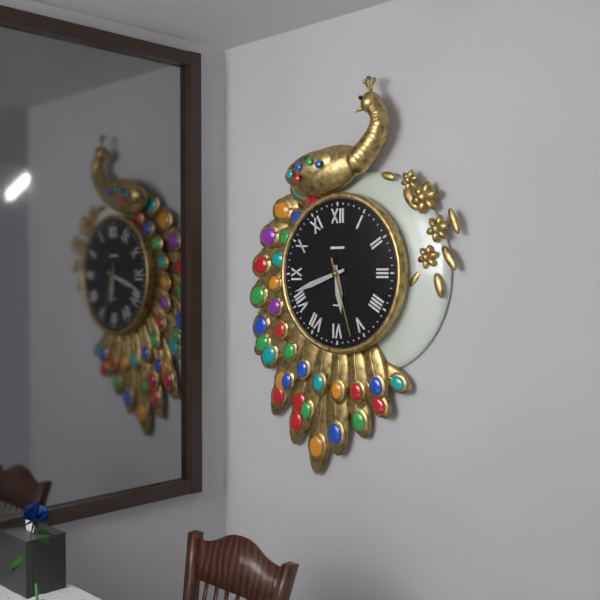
5 h 42 min 27 s
